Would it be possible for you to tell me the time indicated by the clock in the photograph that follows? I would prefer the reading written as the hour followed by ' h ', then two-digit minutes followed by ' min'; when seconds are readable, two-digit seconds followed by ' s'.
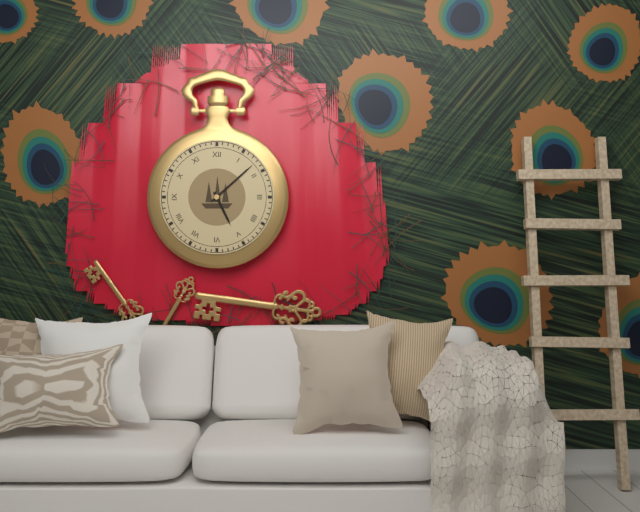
5 h 08 min
